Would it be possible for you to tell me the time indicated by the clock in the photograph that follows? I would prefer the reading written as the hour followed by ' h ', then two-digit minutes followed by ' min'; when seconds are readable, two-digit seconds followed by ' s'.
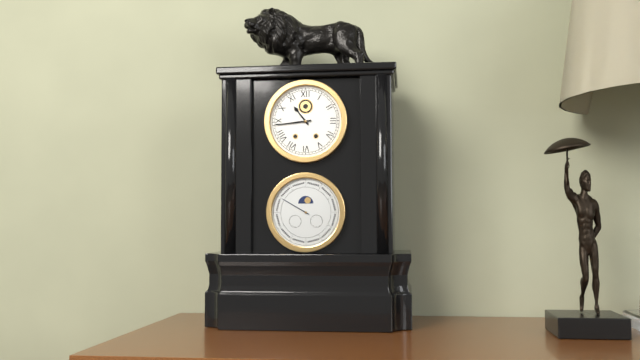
10 h 44 min
